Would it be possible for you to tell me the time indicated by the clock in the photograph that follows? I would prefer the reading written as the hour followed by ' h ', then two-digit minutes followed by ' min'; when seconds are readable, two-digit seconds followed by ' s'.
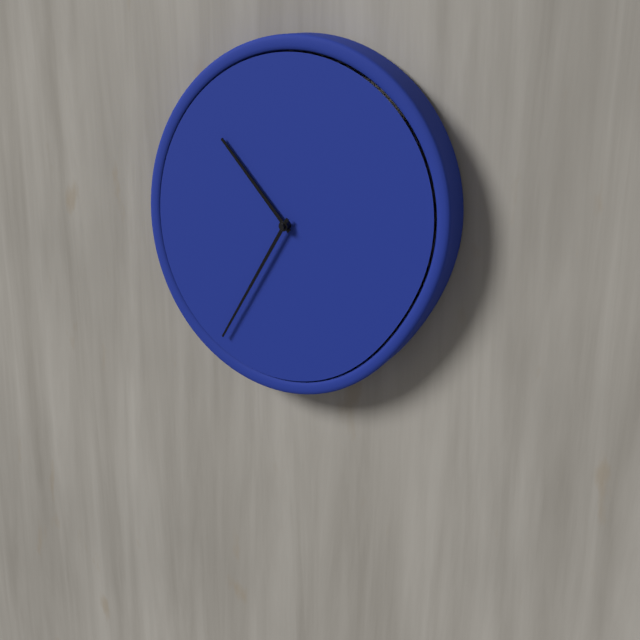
10 h 35 min
